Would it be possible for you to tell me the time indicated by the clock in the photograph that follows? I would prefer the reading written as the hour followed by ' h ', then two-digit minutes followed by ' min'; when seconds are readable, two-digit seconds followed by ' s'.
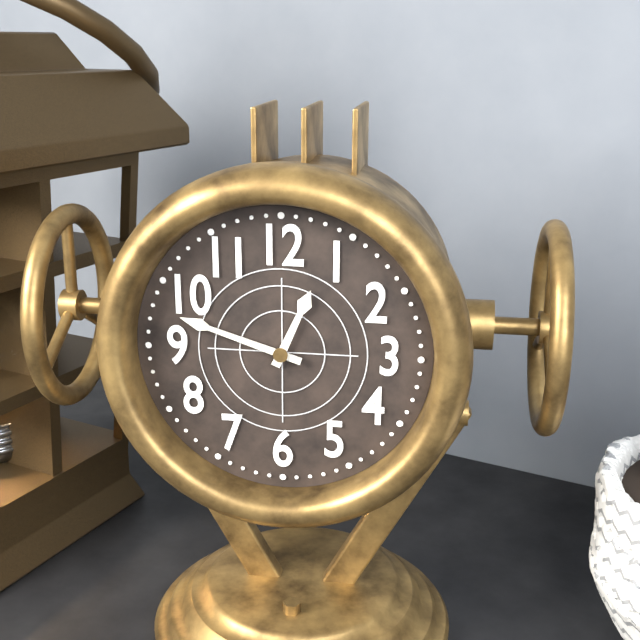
12 h 48 min
